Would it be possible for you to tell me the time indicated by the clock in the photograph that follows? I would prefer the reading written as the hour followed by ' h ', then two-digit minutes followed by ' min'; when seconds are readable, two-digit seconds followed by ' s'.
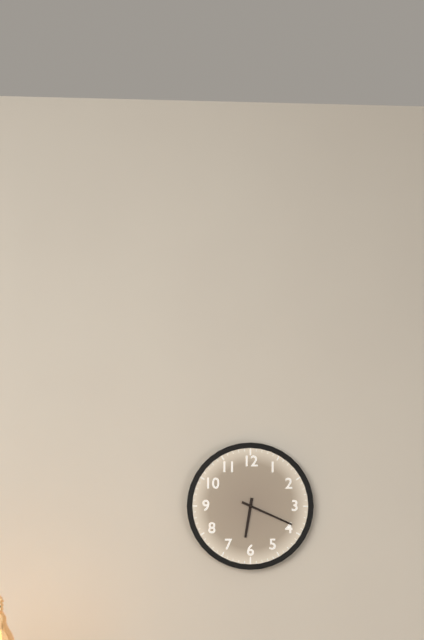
6 h 19 min
